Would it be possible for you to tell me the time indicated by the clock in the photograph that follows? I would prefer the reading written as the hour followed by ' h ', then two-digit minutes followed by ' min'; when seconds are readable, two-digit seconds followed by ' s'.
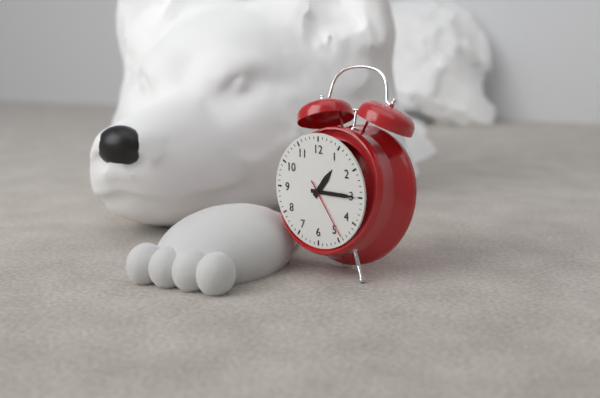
1 h 15 min 24 s
